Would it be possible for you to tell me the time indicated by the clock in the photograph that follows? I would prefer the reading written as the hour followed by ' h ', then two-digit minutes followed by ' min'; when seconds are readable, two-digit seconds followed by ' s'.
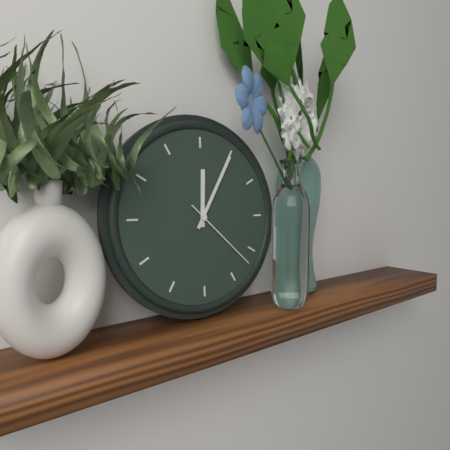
12 h 05 min 22 s
